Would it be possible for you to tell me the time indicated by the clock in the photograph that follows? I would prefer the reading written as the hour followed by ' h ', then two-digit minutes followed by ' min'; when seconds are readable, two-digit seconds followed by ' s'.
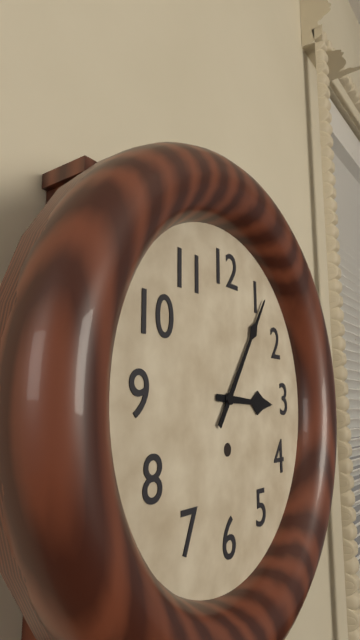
3 h 06 min
